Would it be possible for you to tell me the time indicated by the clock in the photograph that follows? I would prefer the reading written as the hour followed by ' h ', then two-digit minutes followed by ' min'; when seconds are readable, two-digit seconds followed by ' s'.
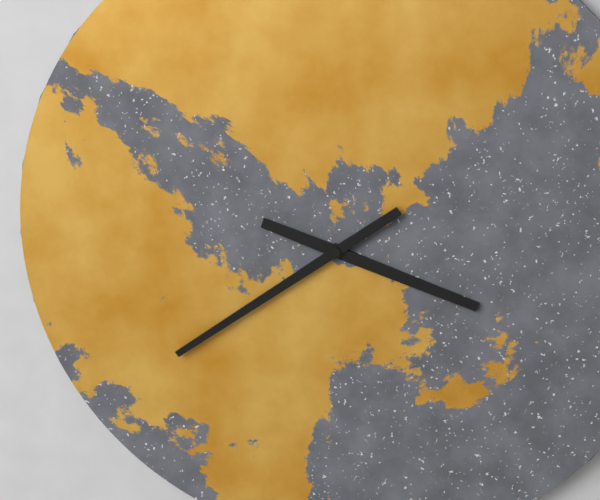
3 h 39 min
